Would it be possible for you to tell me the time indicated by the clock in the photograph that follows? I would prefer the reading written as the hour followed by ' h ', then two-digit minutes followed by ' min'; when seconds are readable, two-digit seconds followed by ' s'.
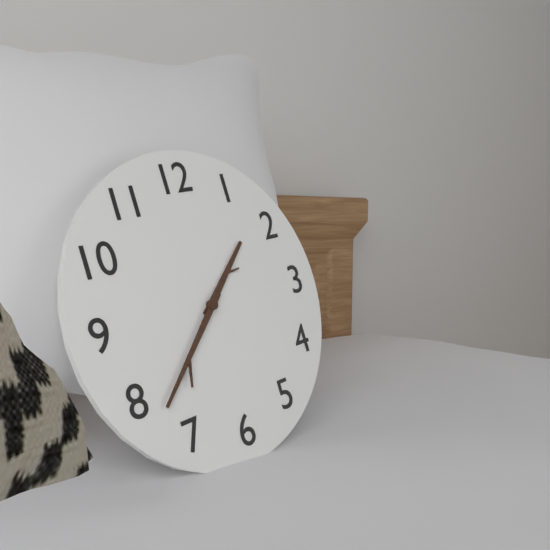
1 h 38 min
